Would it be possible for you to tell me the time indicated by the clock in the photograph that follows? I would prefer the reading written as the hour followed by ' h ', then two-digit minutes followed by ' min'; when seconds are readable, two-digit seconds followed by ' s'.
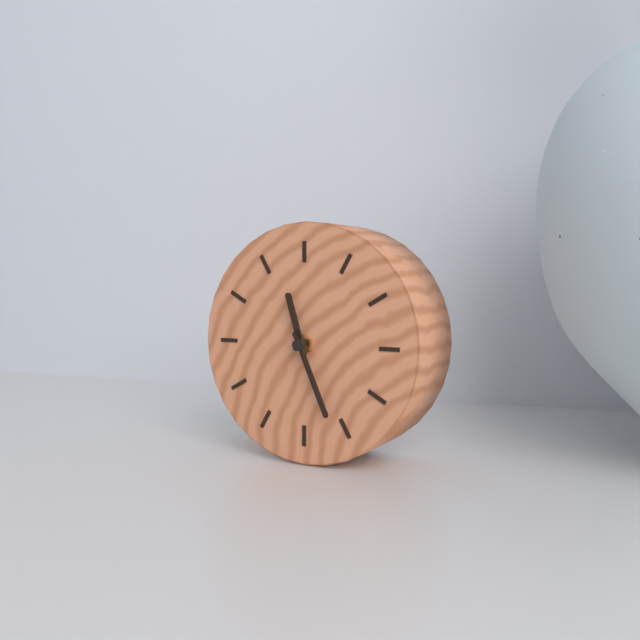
11 h 26 min
